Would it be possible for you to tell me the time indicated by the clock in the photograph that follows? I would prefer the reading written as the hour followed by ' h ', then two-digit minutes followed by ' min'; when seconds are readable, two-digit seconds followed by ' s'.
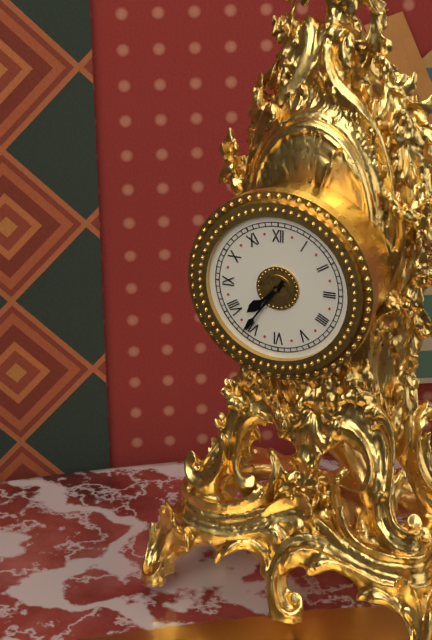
7 h 36 min
